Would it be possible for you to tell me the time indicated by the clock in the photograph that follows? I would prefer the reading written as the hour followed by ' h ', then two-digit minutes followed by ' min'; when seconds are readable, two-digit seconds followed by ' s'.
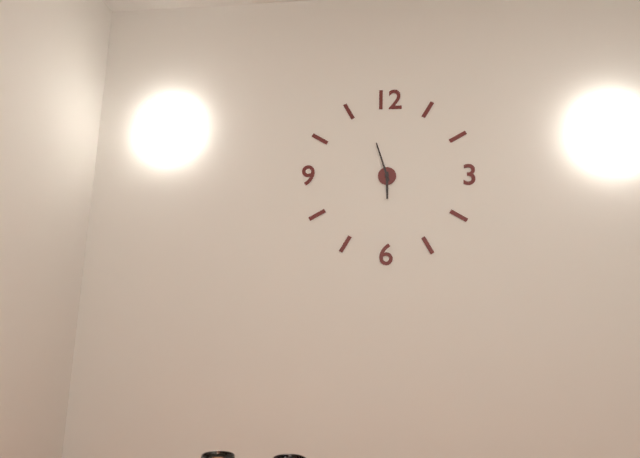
5 h 57 min
